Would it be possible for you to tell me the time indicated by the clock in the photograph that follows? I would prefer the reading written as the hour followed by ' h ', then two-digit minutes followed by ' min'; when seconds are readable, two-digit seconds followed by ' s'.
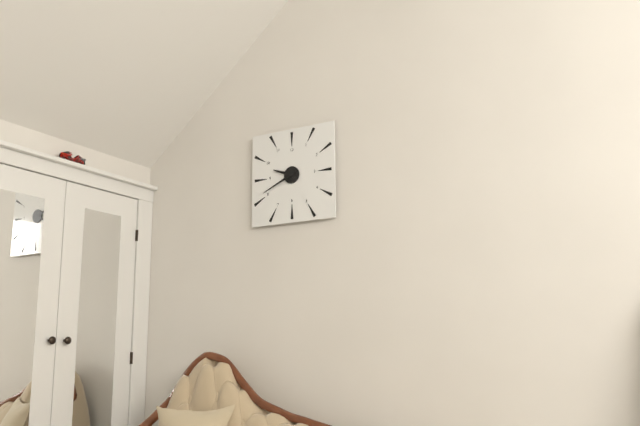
9 h 41 min
